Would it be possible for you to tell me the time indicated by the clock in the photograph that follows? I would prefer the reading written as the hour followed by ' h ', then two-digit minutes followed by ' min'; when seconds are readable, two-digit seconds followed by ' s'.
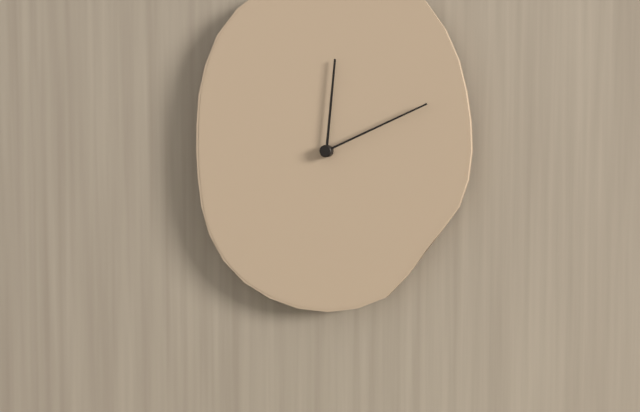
12 h 11 min
